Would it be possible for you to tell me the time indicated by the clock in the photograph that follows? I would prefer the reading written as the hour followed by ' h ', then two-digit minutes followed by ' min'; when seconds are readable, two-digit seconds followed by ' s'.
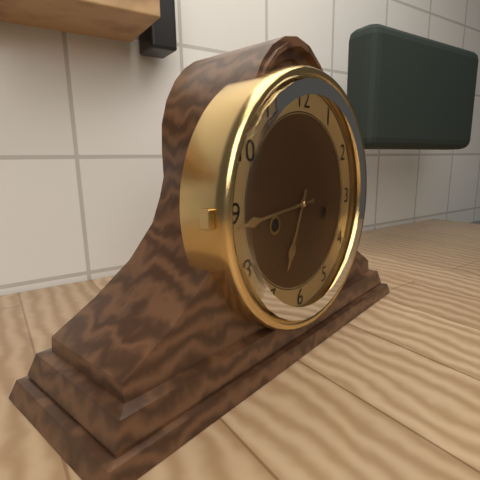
6 h 44 min
